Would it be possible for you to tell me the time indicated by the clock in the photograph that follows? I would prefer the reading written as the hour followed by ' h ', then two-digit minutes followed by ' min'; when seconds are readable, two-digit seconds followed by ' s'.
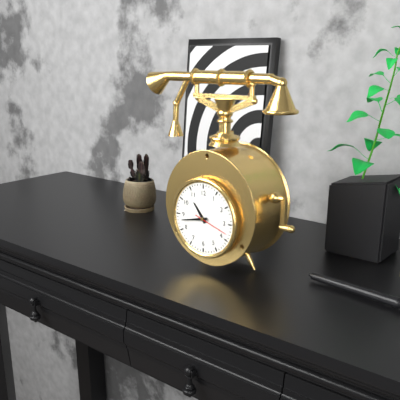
10 h 43 min
